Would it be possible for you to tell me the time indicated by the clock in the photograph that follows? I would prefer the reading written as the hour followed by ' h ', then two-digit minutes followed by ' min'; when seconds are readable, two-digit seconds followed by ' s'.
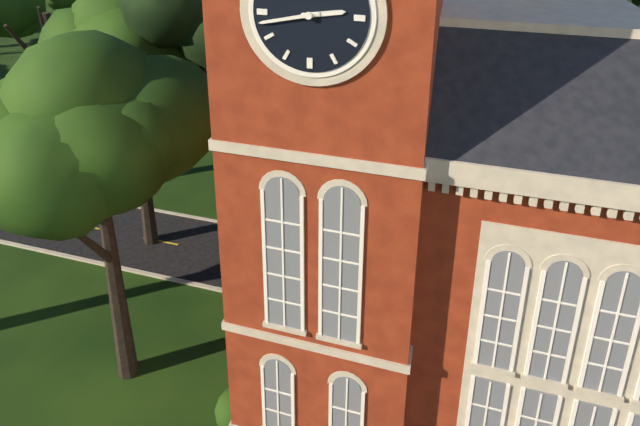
2 h 43 min
